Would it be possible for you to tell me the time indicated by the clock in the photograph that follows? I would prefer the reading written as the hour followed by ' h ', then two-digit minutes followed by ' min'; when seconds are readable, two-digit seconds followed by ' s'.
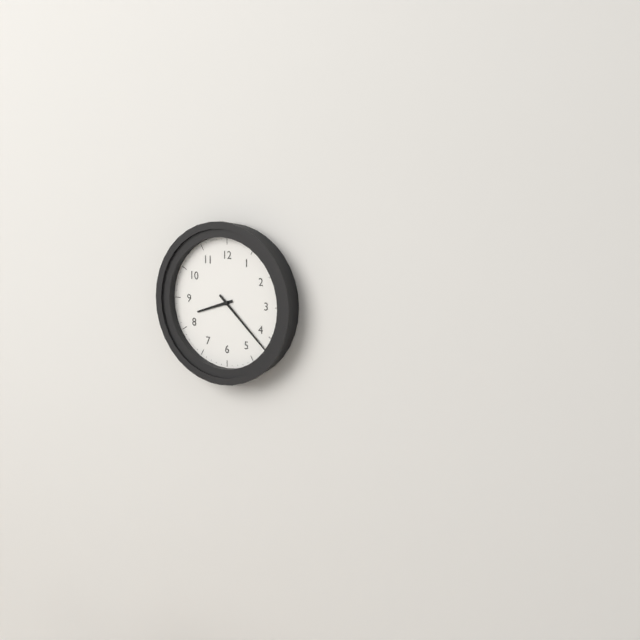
8 h 22 min
